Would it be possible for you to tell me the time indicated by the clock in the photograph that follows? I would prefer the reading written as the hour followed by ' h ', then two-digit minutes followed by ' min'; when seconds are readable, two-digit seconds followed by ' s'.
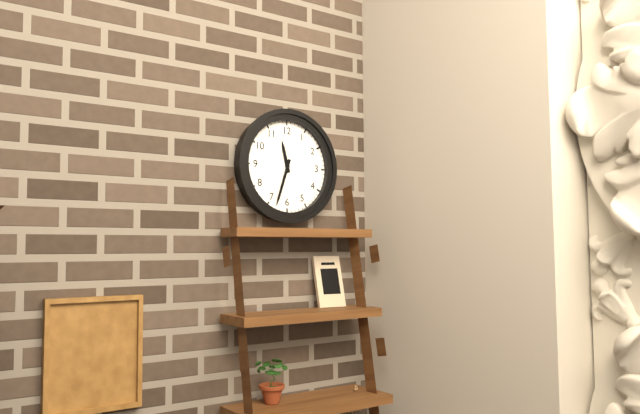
11 h 33 min
